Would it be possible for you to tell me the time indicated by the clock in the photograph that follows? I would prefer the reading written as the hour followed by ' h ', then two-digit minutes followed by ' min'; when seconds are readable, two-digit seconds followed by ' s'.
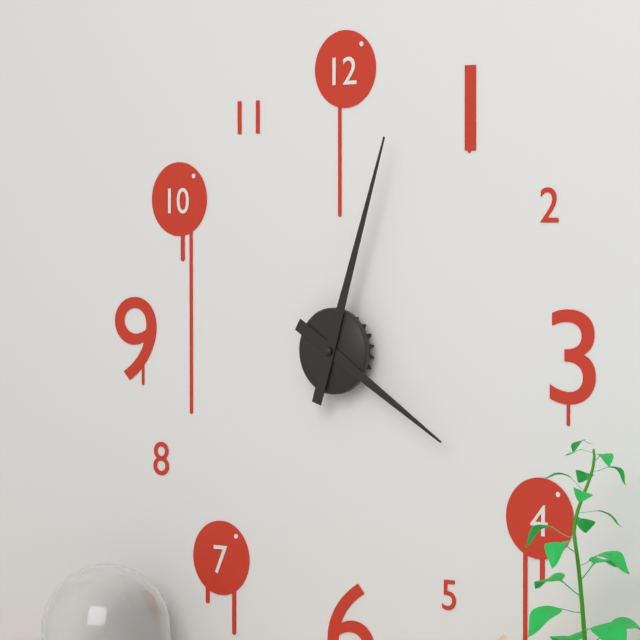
4 h 03 min
